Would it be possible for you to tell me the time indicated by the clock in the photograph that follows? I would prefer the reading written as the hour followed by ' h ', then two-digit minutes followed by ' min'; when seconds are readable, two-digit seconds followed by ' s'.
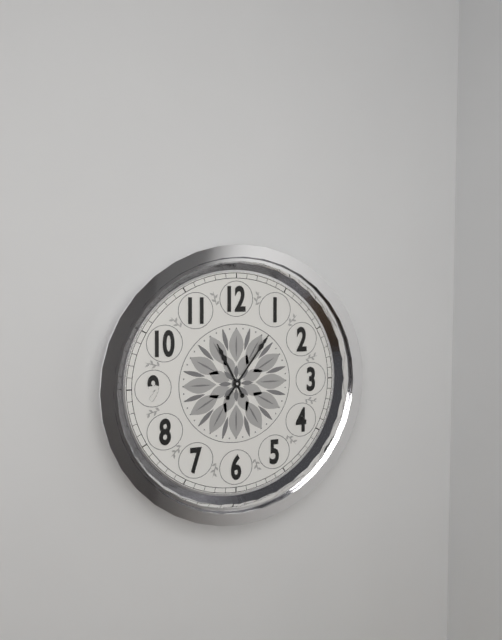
11 h 06 min
